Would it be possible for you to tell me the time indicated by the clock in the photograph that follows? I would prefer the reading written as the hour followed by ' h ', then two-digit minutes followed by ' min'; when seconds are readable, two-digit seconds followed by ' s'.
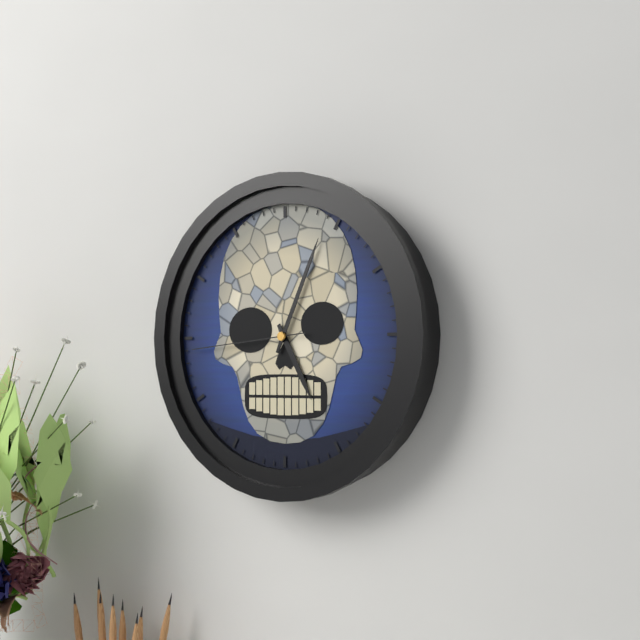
5 h 04 min 44 s
